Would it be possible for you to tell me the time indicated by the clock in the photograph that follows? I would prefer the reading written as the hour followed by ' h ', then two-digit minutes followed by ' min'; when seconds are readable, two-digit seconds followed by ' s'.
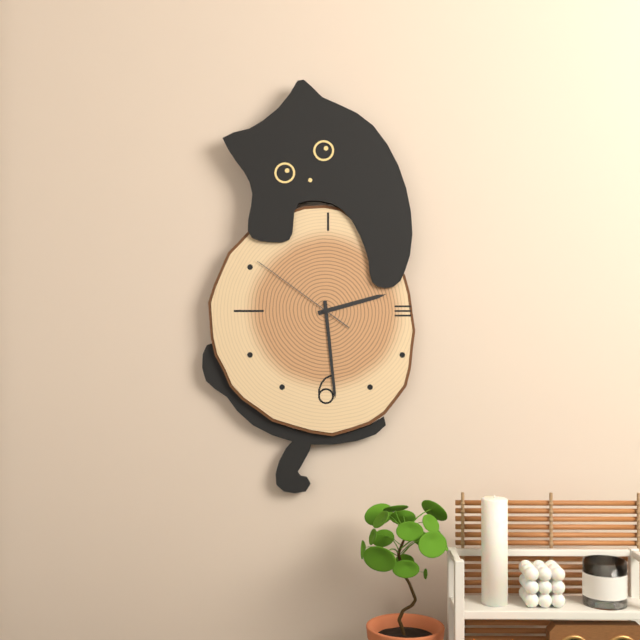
2 h 29 min 51 s
